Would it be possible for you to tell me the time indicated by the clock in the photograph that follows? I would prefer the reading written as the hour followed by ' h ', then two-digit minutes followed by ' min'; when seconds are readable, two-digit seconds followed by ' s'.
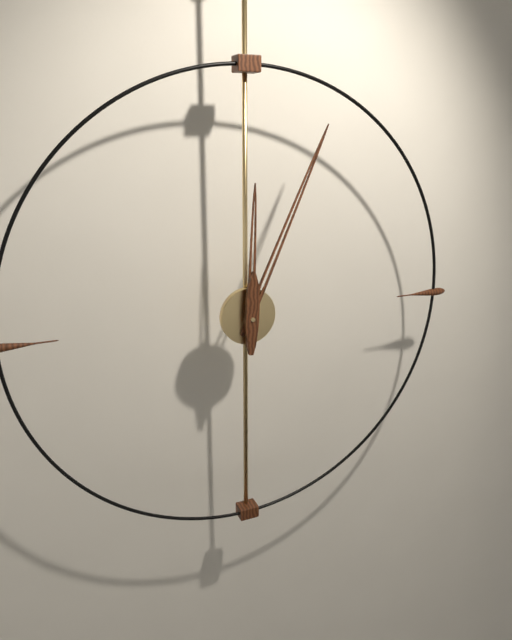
12 h 04 min
